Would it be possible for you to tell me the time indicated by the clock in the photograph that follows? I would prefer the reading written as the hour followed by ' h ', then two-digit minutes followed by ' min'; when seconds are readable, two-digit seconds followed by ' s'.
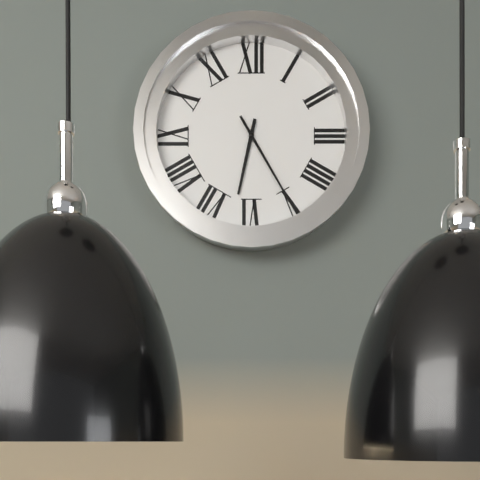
6 h 25 min
